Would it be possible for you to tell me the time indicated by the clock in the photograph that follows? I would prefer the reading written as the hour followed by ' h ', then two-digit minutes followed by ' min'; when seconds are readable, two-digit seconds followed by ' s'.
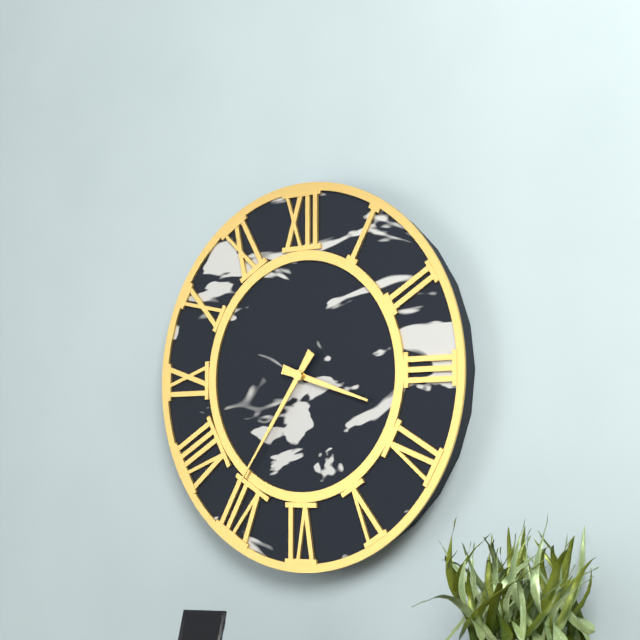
3 h 36 min
